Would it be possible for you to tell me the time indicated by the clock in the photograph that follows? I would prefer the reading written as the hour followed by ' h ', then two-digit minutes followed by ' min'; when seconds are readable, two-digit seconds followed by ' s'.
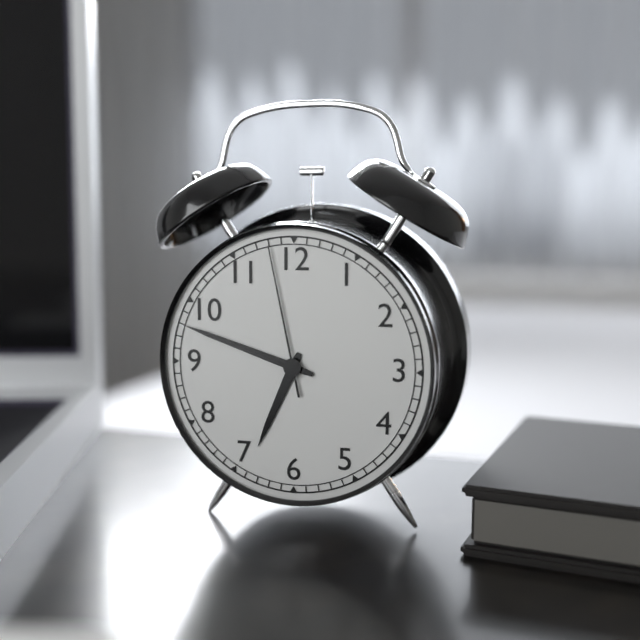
6 h 48 min 58 s
